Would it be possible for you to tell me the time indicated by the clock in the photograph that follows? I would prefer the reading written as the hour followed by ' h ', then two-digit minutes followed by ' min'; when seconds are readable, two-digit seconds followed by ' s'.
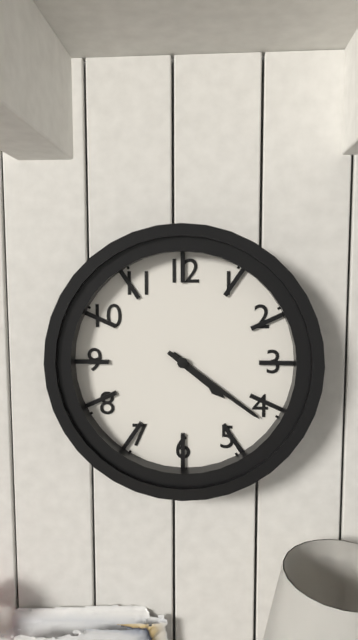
4 h 21 min
